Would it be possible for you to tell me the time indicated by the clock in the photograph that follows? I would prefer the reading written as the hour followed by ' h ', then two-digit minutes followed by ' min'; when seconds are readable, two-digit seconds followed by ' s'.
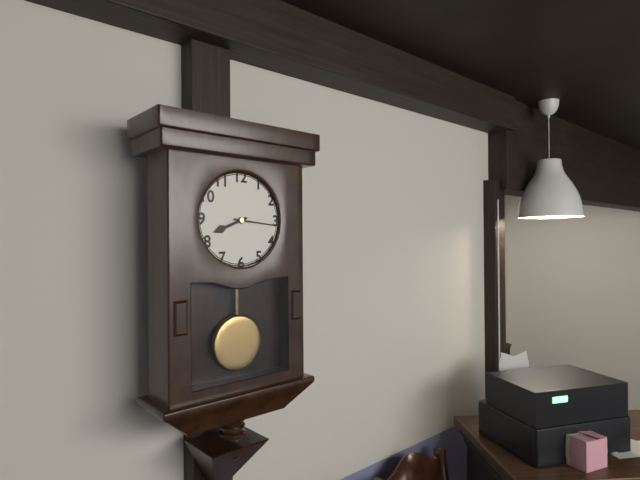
8 h 16 min
